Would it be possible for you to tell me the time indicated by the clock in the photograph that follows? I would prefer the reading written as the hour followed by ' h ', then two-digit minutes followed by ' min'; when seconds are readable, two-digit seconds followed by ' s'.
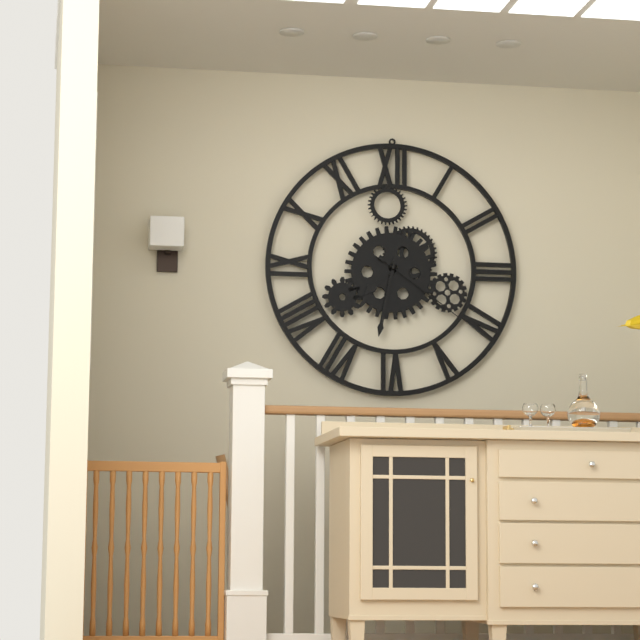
7 h 32 min 21 s
